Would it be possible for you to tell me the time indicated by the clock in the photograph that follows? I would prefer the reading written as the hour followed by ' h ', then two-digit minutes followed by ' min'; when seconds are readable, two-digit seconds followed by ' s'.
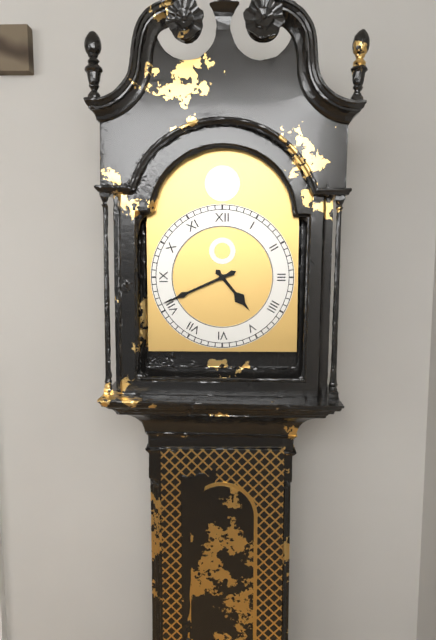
4 h 41 min
